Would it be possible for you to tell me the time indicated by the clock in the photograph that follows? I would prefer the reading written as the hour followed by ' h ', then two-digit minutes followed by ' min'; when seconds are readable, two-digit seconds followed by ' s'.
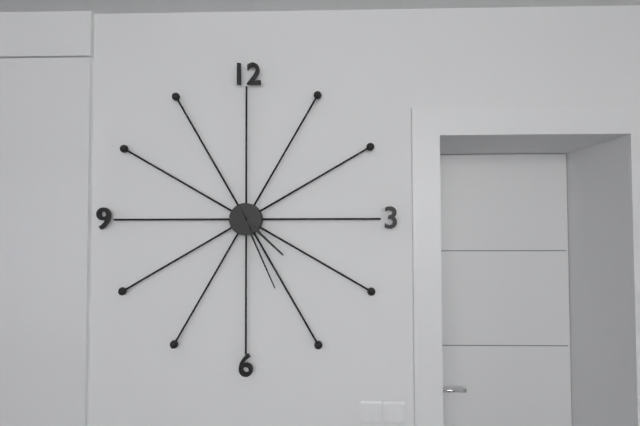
4 h 26 min
